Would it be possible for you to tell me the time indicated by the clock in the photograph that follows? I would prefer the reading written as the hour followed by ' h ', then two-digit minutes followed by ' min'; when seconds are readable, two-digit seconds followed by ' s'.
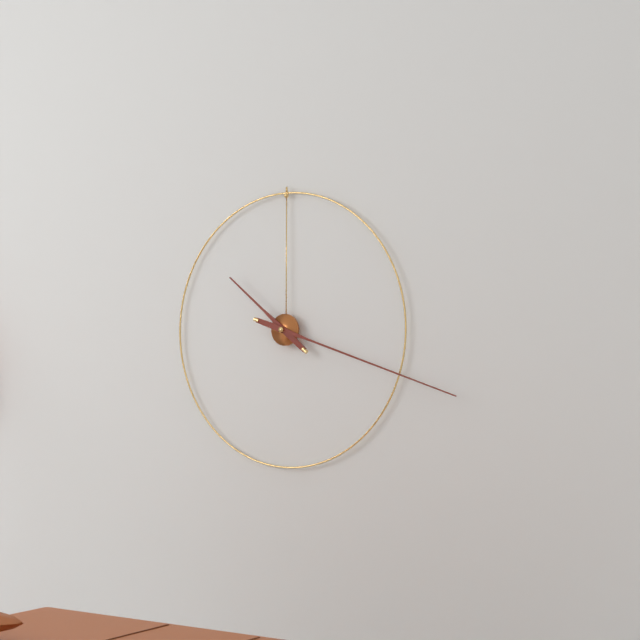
10 h 18 min
